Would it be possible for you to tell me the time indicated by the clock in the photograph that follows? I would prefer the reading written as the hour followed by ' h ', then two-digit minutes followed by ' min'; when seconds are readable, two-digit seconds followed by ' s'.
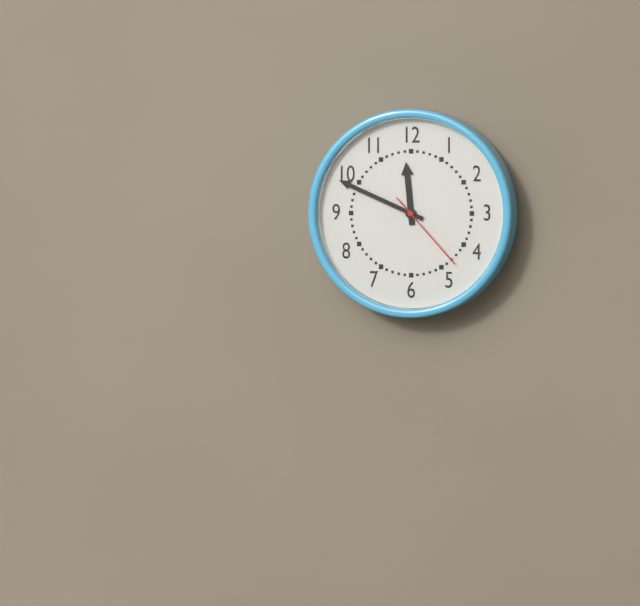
11 h 49 min 23 s
